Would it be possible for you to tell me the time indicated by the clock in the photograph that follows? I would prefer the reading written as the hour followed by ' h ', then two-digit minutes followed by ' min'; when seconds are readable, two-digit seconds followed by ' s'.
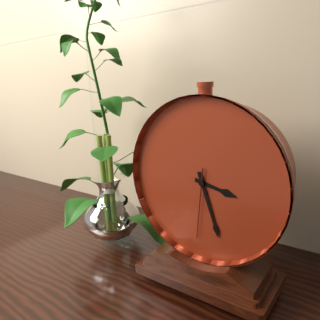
3 h 27 min 31 s
